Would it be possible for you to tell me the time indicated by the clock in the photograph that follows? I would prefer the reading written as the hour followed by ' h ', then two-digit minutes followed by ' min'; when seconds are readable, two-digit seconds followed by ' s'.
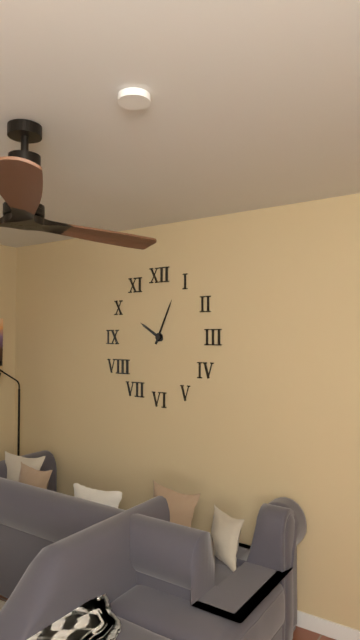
10 h 04 min
